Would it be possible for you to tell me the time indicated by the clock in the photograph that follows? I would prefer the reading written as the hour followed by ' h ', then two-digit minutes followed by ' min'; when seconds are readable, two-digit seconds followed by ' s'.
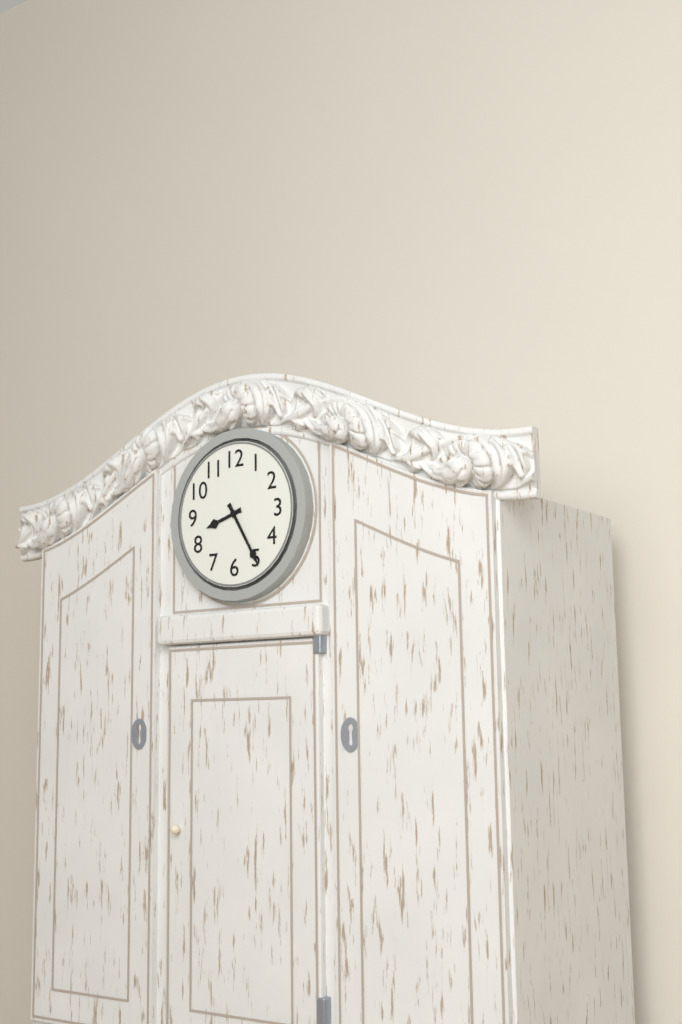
8 h 25 min
